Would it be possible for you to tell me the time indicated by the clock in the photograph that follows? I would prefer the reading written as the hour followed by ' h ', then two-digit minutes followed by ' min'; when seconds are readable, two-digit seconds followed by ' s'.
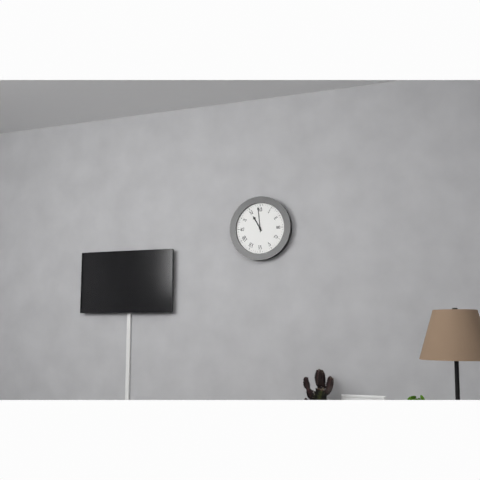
10 h 59 min
